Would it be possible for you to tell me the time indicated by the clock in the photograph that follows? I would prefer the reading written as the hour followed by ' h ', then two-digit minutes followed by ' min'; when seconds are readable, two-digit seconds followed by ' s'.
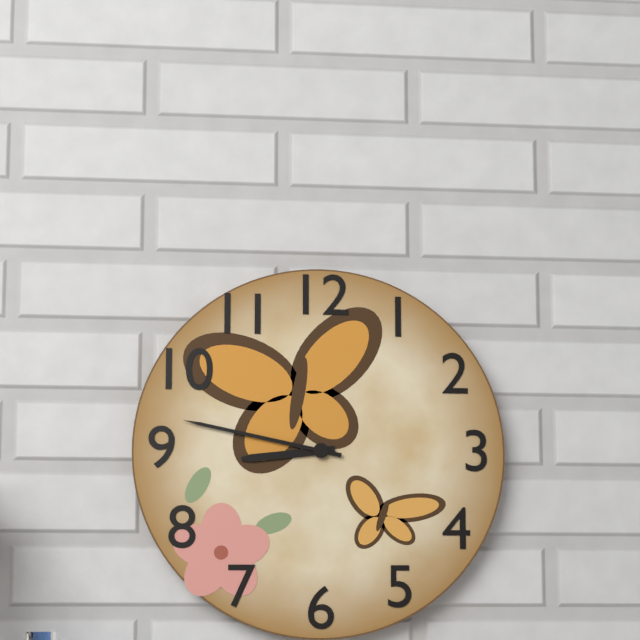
8 h 47 min
